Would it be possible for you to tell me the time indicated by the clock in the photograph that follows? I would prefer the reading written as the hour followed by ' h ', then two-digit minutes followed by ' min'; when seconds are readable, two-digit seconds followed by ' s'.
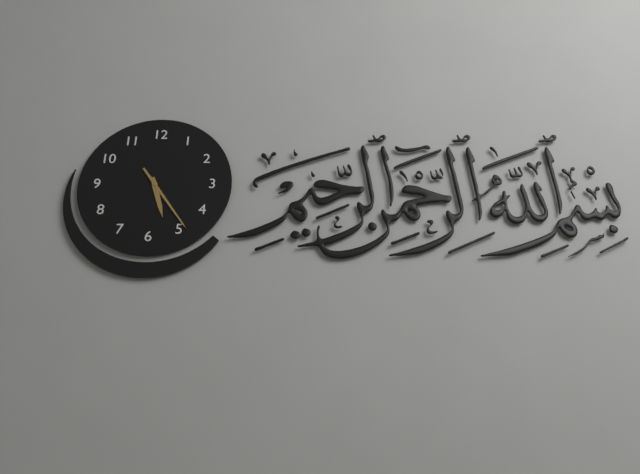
5 h 24 min
